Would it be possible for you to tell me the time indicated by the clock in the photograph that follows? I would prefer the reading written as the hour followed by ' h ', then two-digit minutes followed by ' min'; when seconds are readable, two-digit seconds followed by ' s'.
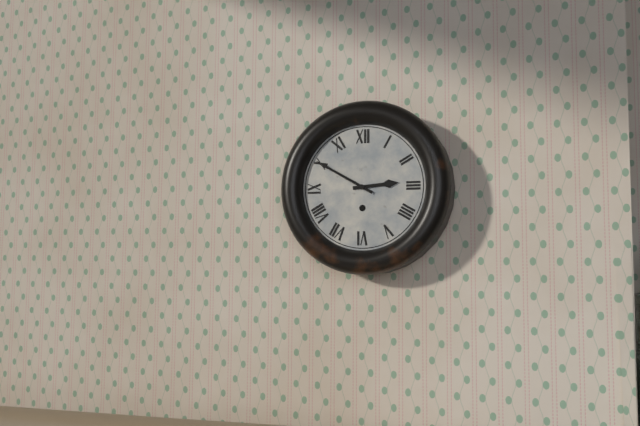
2 h 50 min
